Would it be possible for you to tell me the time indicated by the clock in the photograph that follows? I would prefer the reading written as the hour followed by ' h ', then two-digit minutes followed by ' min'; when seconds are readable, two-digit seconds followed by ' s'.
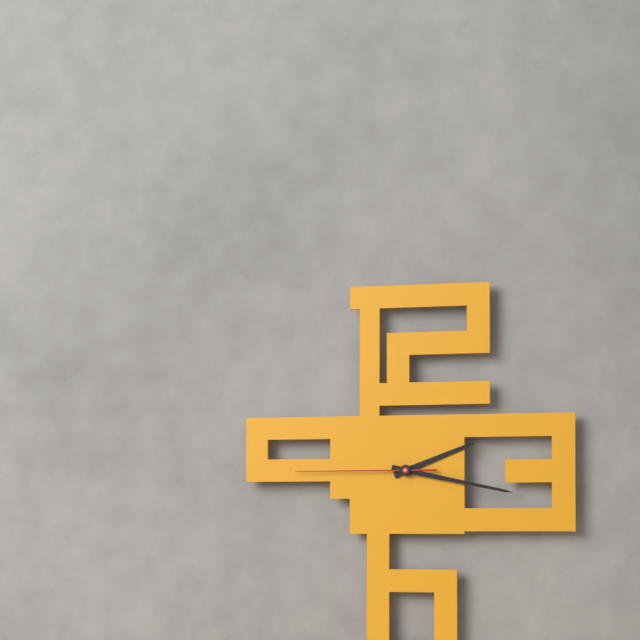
2 h 17 min 45 s
